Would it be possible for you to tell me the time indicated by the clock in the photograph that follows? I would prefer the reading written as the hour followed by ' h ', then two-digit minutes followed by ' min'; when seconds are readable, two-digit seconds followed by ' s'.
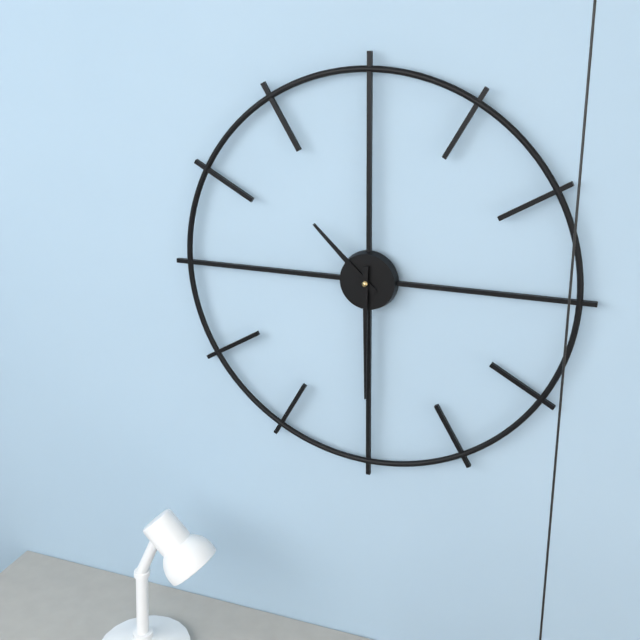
10 h 30 min
